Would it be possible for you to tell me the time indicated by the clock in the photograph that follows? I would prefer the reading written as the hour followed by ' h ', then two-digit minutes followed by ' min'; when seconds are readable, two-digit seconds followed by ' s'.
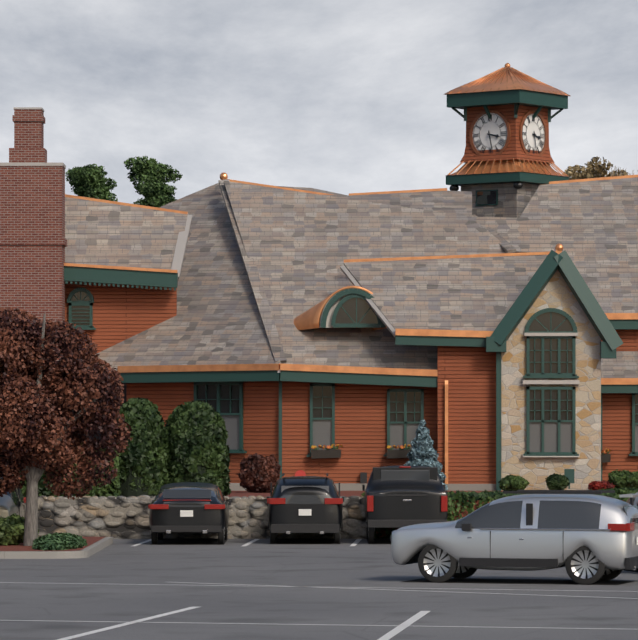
3 h 28 min
